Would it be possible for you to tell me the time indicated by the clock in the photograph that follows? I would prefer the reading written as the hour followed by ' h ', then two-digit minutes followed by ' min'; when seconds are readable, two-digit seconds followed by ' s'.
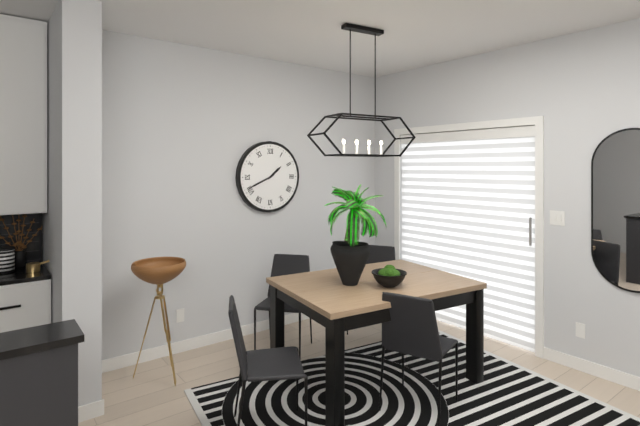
1 h 41 min
